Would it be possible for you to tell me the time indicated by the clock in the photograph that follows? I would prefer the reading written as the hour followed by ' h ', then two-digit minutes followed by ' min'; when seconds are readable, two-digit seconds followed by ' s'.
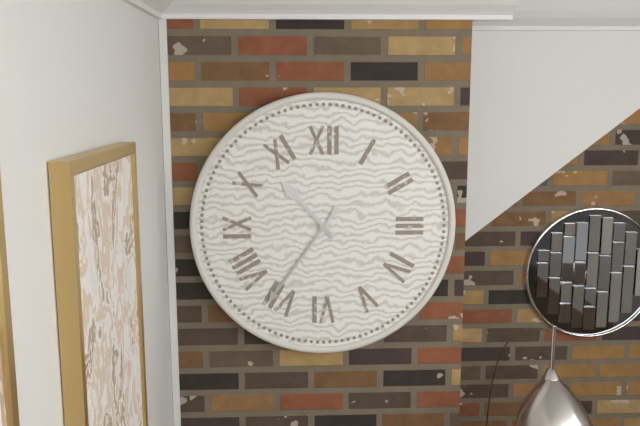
10 h 36 min
